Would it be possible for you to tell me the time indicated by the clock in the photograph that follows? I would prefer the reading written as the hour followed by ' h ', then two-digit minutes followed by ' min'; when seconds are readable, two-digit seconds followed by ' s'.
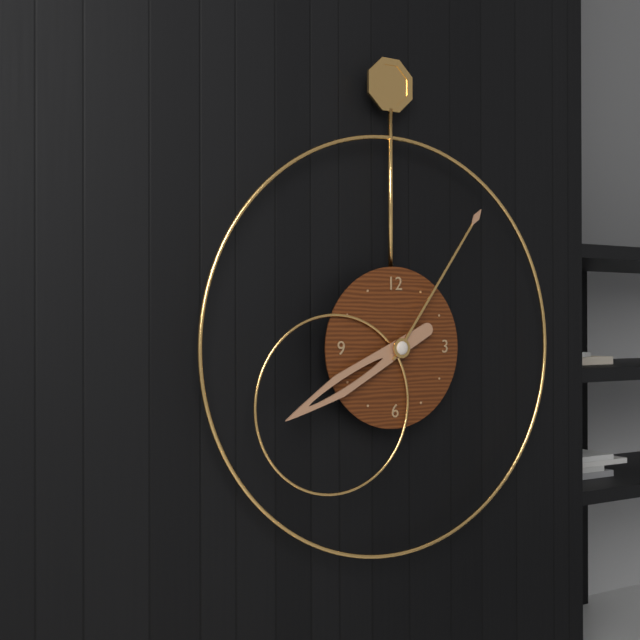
8 h 06 min
